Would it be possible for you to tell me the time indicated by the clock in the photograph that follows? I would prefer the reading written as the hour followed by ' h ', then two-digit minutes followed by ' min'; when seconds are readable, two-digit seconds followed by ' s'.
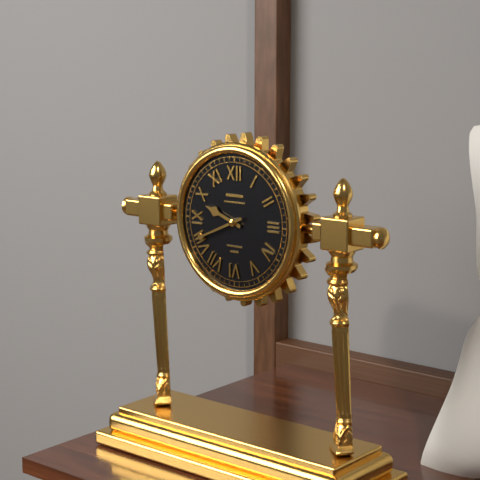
9 h 41 min
